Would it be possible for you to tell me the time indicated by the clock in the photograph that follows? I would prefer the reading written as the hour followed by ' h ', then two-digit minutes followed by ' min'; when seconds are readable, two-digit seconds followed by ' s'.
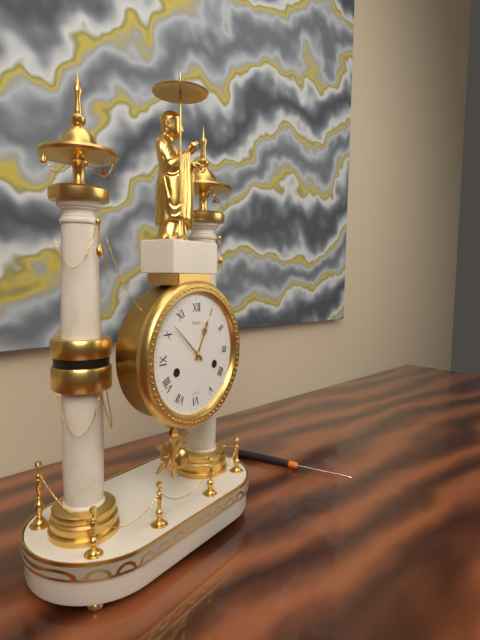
12 h 52 min
